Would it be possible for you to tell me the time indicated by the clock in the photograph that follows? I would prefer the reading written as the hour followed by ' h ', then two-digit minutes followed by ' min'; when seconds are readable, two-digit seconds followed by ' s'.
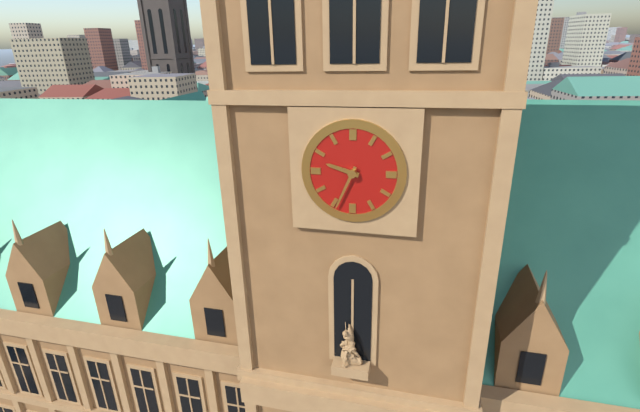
9 h 34 min
